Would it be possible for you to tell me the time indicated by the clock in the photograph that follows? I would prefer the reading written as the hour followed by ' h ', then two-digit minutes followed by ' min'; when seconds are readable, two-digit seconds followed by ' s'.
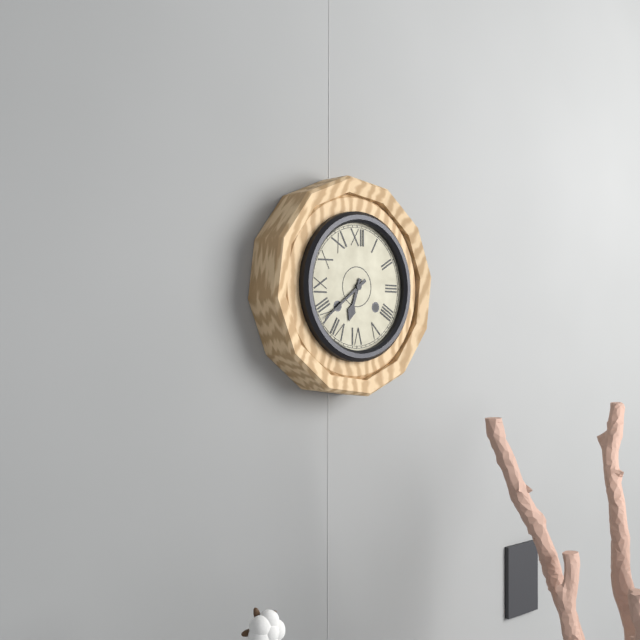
6 h 39 min
